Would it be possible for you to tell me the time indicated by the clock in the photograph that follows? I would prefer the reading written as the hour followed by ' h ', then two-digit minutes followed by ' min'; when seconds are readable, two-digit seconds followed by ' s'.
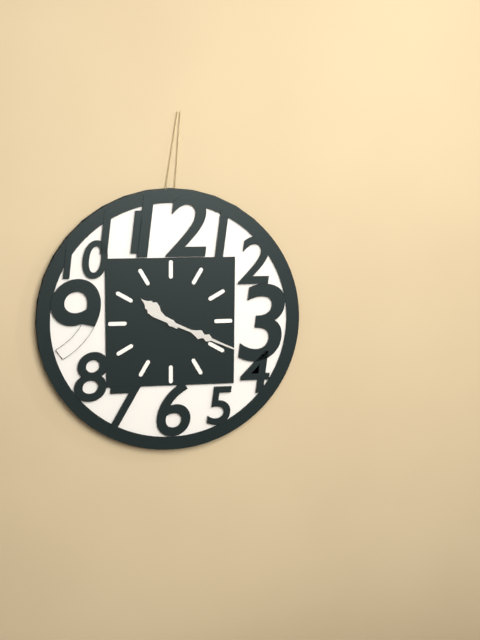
10 h 19 min
